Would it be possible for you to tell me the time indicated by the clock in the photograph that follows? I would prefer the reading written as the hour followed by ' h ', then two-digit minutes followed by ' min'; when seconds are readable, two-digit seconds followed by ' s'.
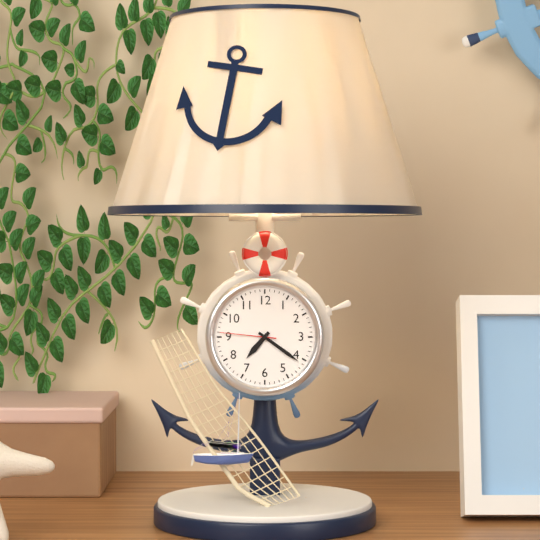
7 h 21 min 46 s
